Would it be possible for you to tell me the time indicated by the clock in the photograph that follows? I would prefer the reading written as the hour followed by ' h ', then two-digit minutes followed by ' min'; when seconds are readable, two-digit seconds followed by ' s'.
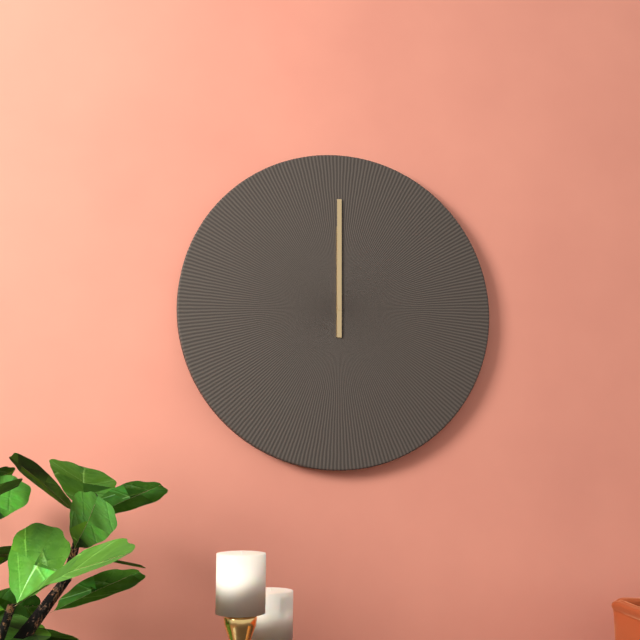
12 h 00 min
